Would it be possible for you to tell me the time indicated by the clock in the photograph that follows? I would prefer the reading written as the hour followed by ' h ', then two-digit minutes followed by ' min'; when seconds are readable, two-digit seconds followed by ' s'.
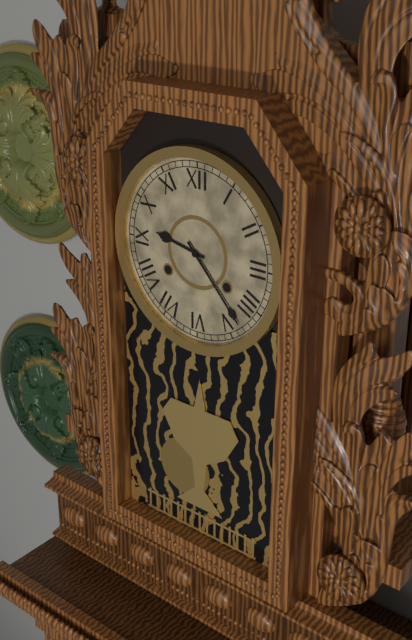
9 h 23 min
